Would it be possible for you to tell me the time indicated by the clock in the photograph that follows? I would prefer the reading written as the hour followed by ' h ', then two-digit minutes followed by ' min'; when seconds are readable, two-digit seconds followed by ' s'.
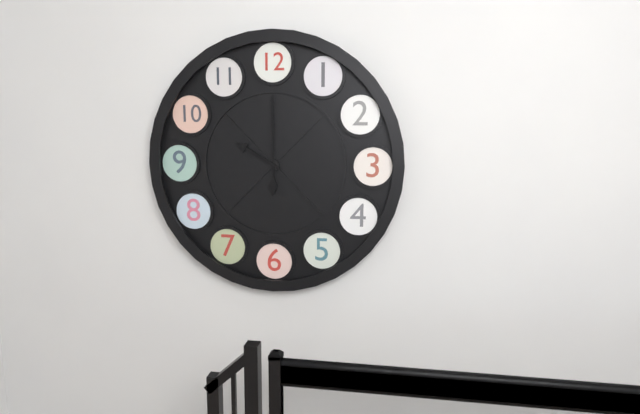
10 h 00 min
